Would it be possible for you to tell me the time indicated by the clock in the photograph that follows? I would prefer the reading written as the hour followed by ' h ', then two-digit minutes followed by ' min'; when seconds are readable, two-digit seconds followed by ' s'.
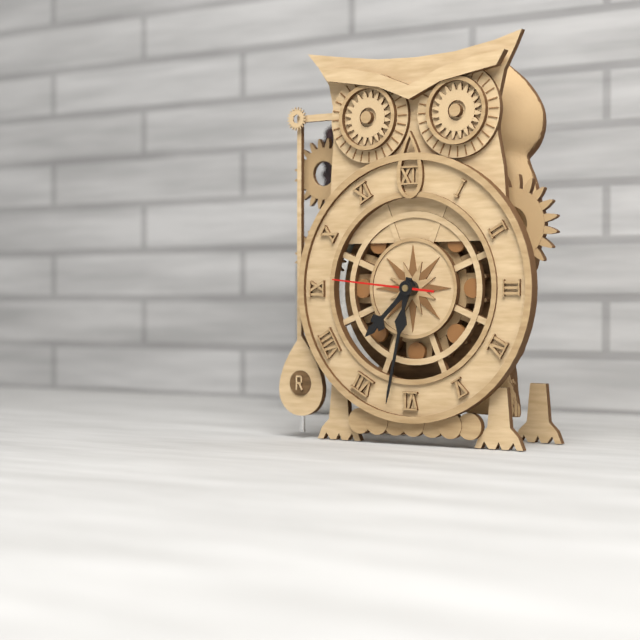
7 h 32 min 46 s
